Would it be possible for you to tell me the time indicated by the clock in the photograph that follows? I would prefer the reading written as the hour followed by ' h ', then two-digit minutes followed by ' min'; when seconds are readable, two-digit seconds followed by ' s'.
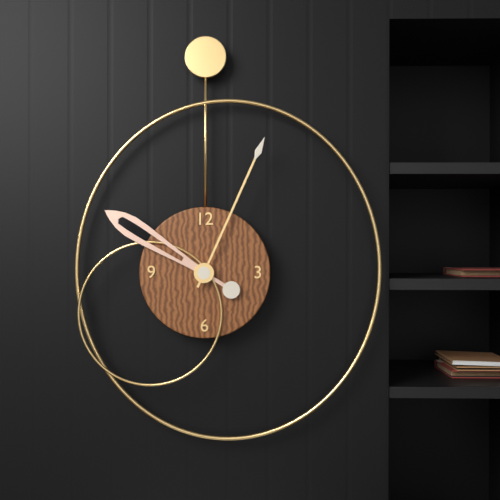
10 h 04 min
